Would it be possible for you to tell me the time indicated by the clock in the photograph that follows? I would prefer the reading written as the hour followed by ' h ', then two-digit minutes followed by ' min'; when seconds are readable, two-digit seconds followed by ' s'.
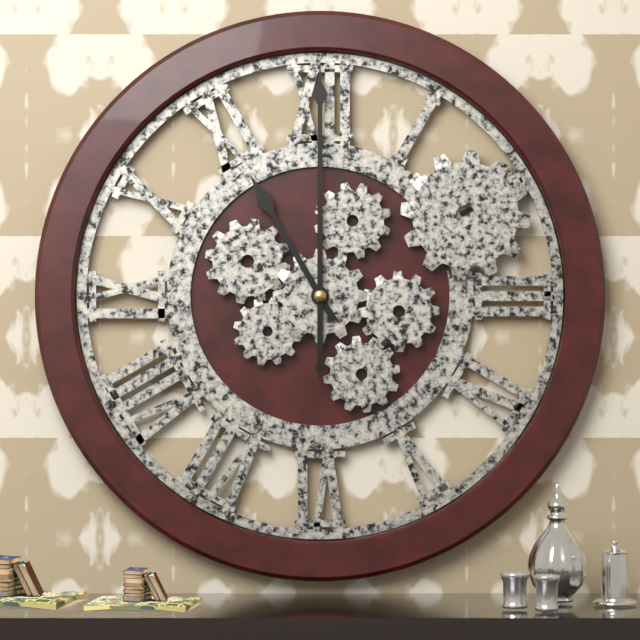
11 h 00 min
